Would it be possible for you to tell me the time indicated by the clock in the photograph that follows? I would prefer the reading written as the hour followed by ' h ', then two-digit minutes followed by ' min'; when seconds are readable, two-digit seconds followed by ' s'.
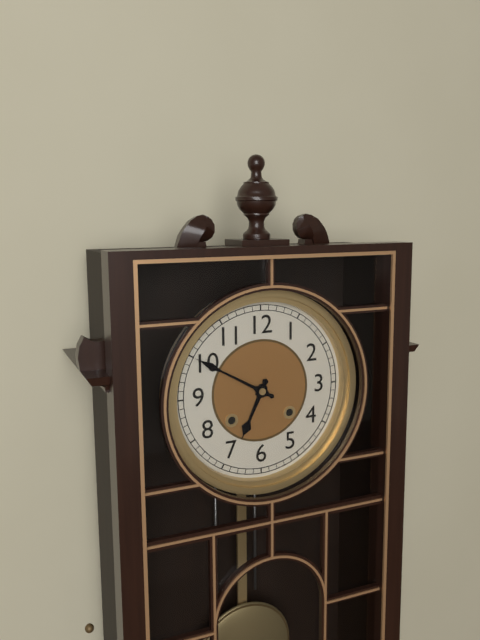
6 h 50 min
